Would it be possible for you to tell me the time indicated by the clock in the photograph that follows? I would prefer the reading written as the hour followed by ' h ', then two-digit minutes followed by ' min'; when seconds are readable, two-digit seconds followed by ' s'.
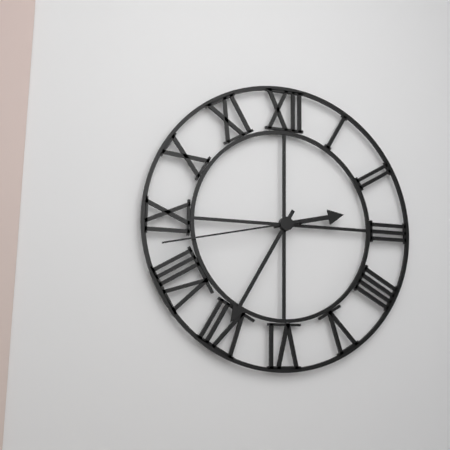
2 h 35 min 43 s
